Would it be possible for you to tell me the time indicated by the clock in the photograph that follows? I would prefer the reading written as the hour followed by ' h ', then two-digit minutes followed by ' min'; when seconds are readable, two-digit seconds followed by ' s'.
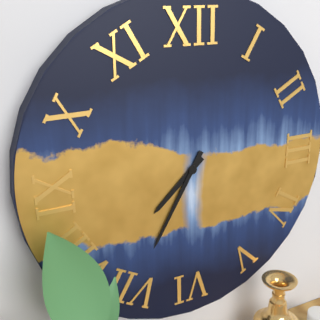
7 h 35 min
